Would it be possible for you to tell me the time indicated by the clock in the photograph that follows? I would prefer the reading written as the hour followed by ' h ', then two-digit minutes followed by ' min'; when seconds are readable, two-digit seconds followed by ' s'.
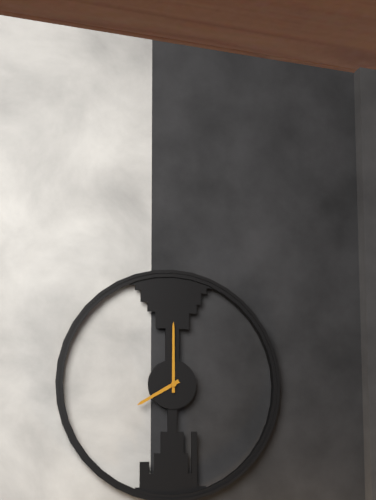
8 h 00 min
